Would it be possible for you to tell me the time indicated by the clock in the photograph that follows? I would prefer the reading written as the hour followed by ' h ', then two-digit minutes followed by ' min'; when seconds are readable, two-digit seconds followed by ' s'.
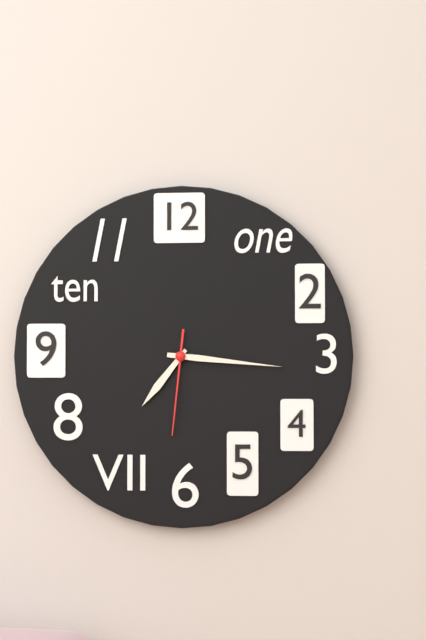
7 h 16 min 31 s
